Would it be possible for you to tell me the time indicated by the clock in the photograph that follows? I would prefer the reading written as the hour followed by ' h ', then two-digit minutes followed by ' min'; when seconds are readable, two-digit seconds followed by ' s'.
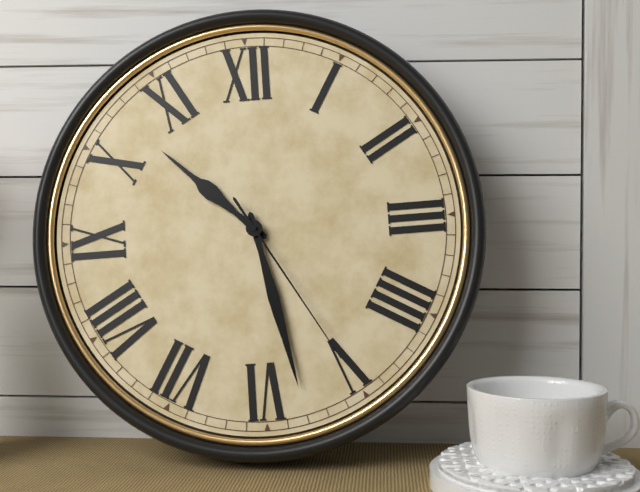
10 h 28 min 25 s
